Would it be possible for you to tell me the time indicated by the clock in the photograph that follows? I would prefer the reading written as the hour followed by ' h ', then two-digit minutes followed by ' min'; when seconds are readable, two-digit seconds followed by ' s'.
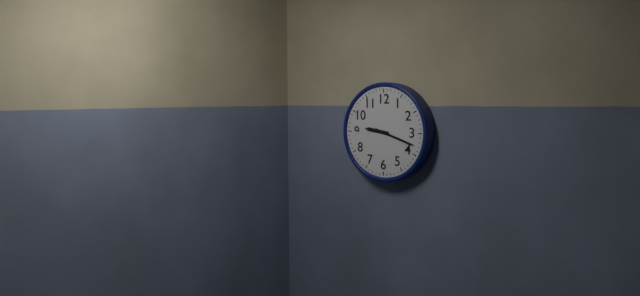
9 h 18 min
